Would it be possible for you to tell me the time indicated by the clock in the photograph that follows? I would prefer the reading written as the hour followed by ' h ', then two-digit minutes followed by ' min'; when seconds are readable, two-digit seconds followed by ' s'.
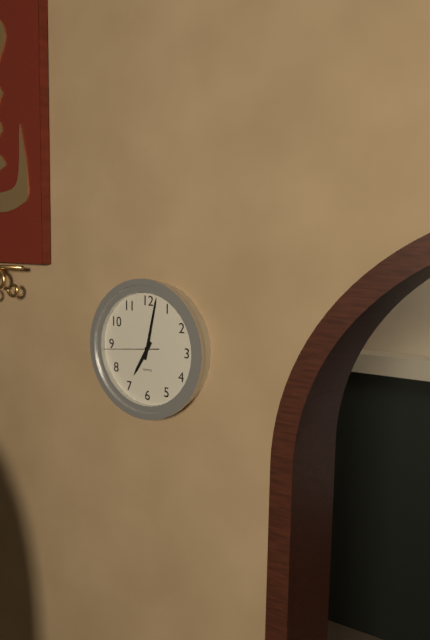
7 h 02 min 44 s
